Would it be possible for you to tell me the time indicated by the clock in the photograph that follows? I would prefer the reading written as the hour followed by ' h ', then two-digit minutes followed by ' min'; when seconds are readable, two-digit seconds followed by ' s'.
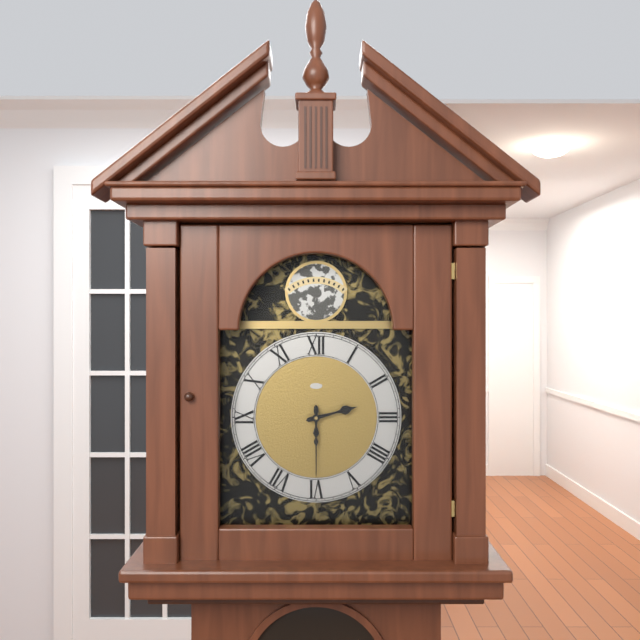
2 h 30 min
